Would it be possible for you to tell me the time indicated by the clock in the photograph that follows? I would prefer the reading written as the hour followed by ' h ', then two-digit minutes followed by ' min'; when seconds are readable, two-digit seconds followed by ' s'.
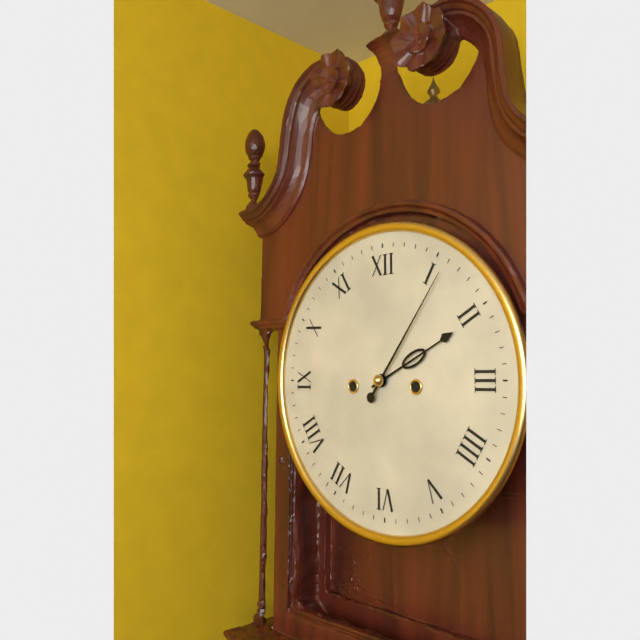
2 h 06 min
